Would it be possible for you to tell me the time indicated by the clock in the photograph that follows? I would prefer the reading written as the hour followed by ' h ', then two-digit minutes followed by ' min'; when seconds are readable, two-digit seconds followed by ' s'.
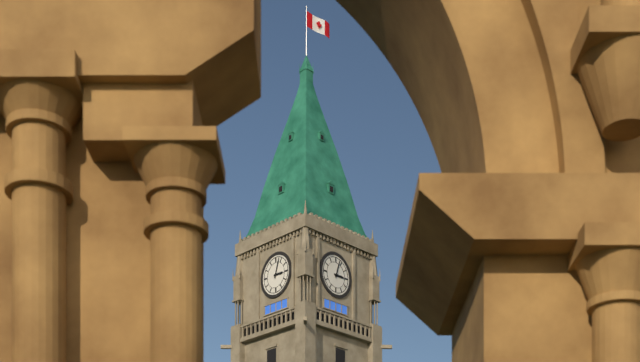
3 h 03 min
